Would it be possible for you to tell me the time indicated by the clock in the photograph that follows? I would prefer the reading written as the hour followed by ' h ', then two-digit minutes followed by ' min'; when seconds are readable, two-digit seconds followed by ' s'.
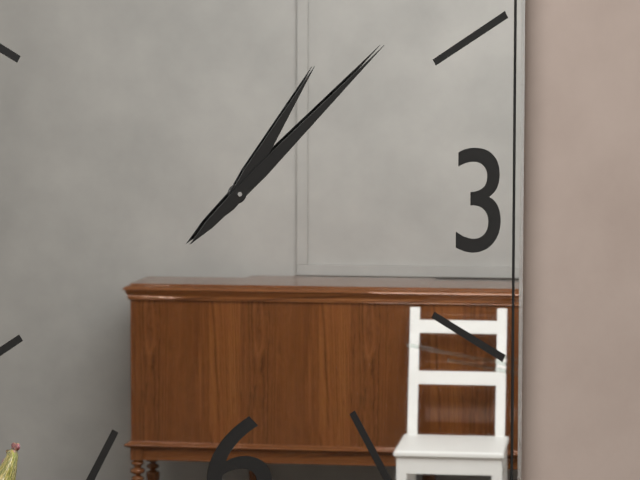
1 h 08 min
